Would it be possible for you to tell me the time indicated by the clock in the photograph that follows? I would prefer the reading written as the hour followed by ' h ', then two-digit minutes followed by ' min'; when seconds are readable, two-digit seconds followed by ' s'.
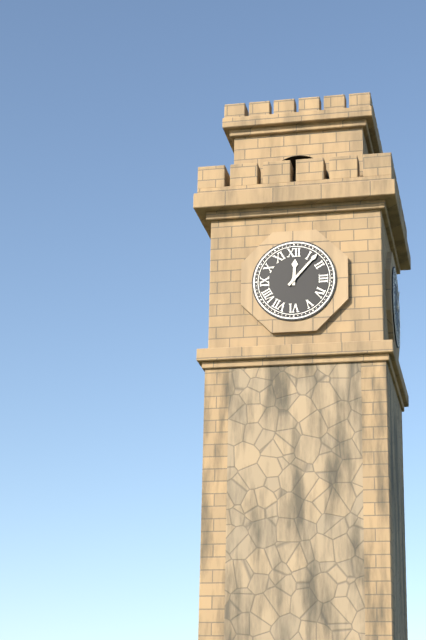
12 h 07 min
